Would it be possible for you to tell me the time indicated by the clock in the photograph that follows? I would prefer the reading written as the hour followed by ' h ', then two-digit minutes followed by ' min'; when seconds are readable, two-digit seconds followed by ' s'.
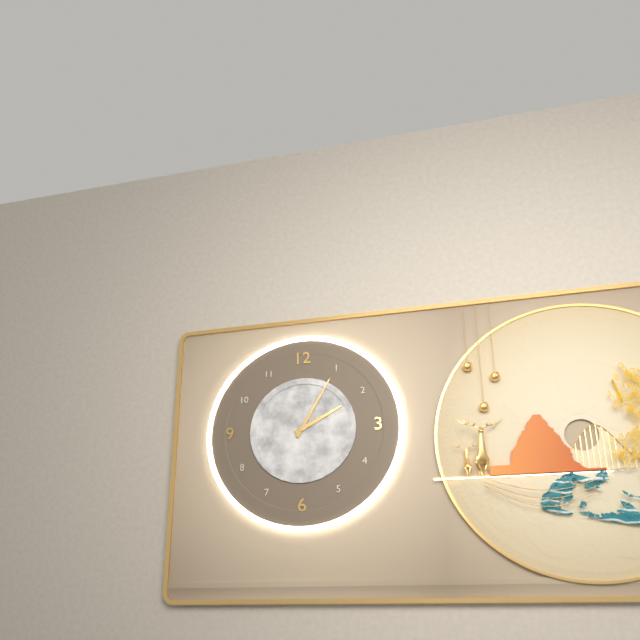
2 h 05 min
